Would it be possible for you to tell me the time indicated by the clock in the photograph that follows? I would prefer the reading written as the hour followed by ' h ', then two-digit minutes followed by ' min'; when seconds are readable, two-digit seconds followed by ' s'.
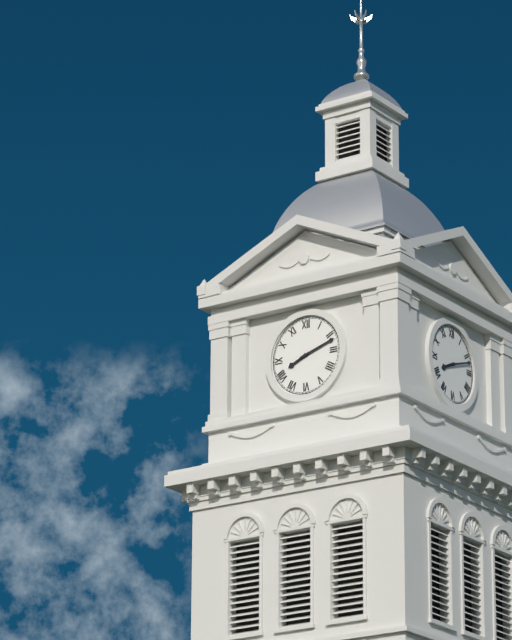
8 h 12 min
